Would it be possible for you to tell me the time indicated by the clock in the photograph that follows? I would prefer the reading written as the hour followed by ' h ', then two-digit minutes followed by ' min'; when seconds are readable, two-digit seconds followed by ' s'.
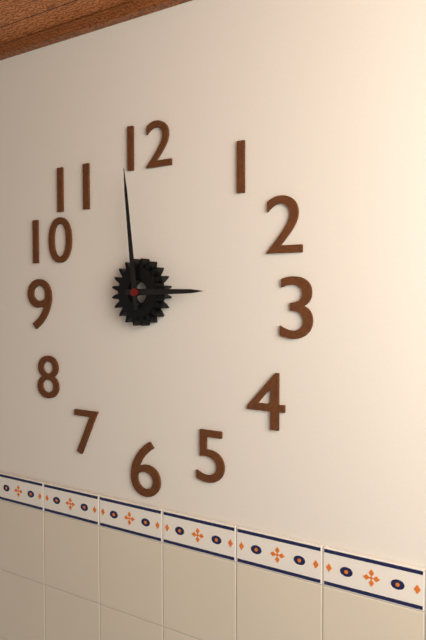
2 h 59 min
